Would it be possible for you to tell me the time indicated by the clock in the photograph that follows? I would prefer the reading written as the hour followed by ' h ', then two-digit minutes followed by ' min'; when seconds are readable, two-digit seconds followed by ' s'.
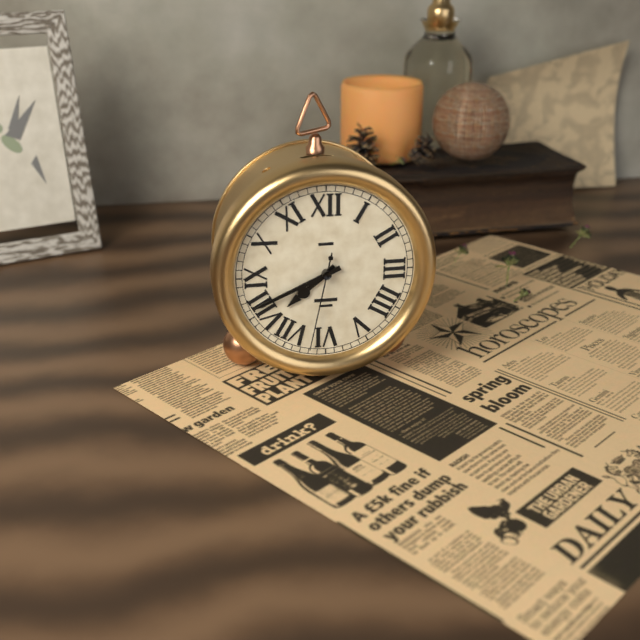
7 h 41 min 32 s
